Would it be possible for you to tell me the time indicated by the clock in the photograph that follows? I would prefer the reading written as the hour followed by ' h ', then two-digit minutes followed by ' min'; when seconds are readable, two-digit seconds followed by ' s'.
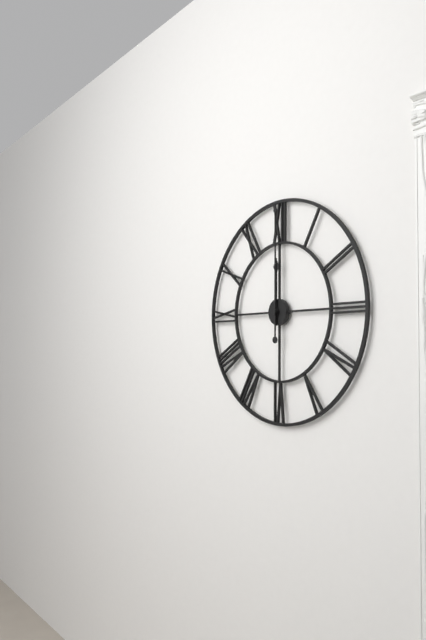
12 h 00 min
